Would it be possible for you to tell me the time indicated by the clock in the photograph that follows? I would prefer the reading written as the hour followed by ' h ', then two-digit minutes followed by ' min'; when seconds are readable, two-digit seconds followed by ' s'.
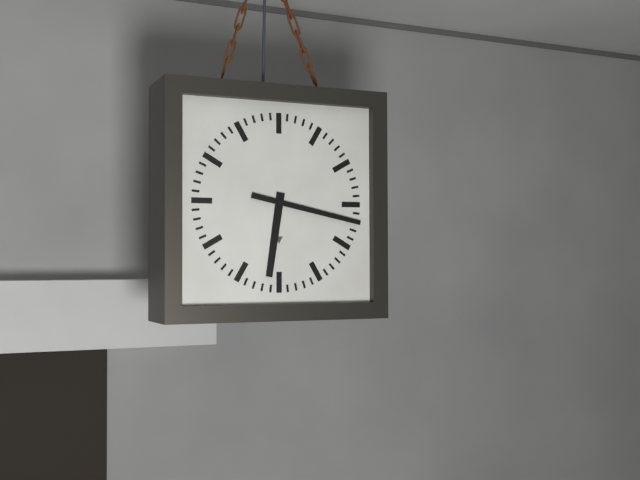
6 h 17 min
